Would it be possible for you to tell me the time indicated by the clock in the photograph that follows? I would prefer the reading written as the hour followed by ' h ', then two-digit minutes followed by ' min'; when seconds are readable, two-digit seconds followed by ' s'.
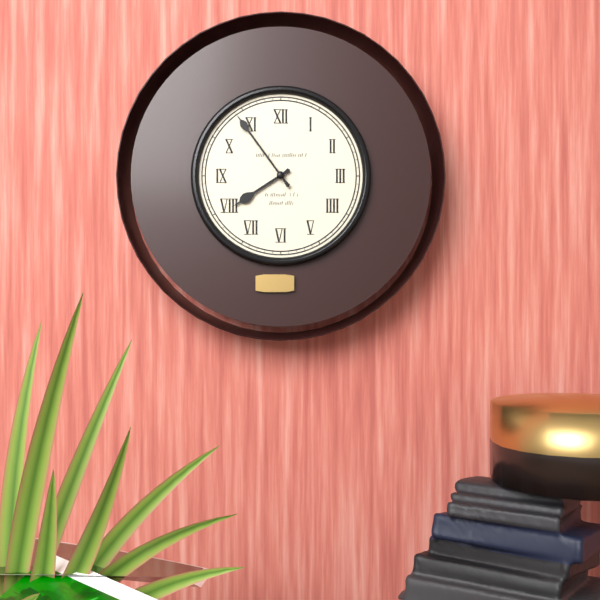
7 h 54 min
